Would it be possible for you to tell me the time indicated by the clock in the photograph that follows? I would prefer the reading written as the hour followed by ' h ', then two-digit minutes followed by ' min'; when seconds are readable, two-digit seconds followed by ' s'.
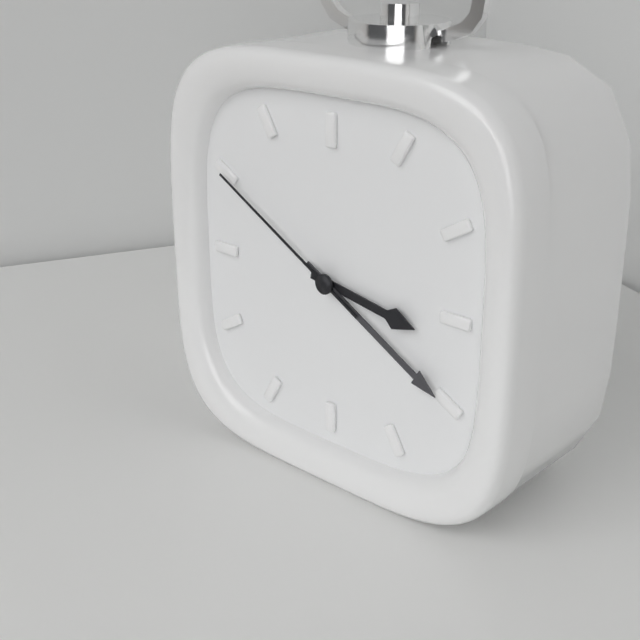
3 h 20 min 50 s
